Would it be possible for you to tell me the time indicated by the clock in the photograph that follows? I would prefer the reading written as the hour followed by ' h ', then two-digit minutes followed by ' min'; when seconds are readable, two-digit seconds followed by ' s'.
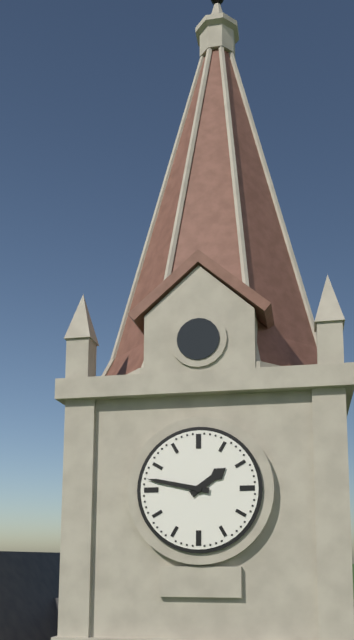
1 h 47 min
